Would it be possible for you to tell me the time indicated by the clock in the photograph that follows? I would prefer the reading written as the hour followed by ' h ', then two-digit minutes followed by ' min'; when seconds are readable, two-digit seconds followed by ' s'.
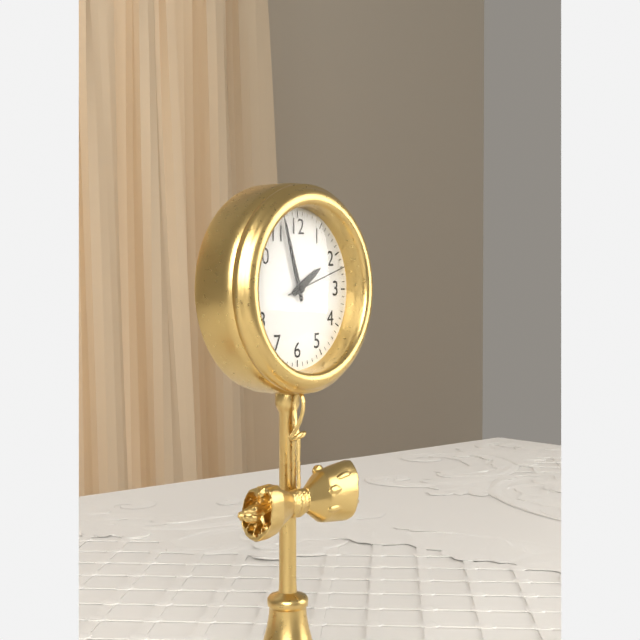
1 h 57 min 12 s
